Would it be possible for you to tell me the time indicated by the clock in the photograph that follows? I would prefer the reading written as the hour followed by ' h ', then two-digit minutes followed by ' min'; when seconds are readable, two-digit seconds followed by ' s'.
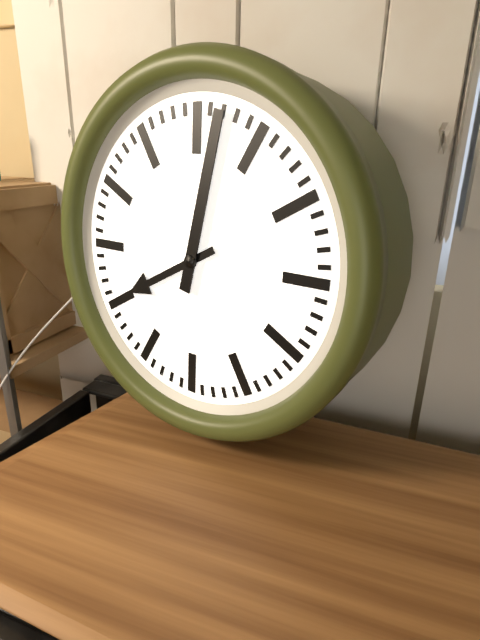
8 h 02 min
